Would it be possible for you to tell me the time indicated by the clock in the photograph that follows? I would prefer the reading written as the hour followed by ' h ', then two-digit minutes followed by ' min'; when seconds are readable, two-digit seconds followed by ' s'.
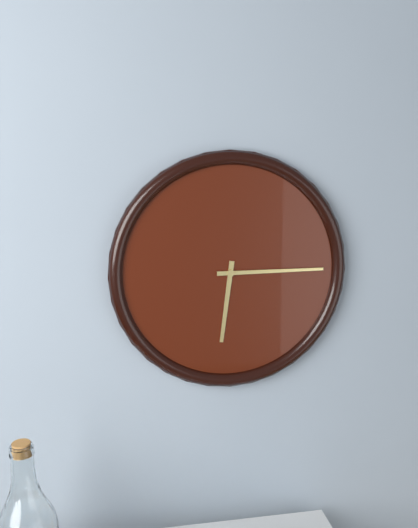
6 h 15 min
